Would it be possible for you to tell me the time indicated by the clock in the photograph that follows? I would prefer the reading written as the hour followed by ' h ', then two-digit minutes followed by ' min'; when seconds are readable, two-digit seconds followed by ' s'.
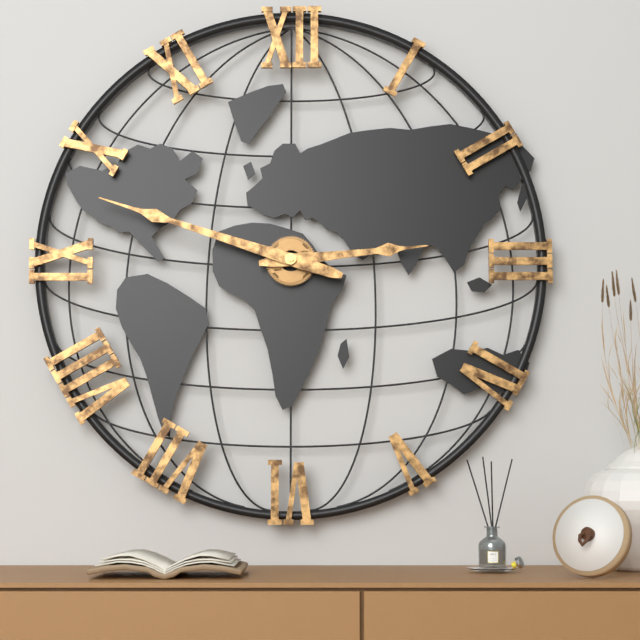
2 h 48 min
